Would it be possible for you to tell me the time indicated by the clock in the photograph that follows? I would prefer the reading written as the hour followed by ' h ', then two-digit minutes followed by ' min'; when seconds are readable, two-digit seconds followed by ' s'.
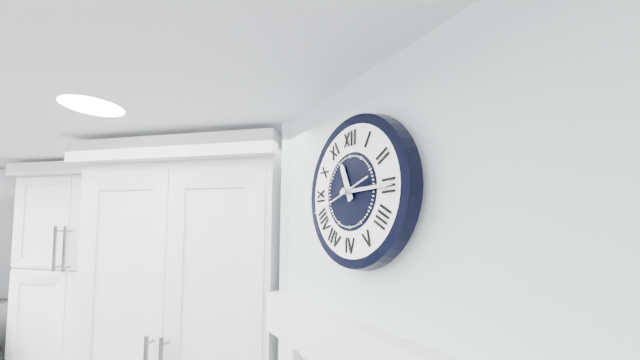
11 h 15 min
